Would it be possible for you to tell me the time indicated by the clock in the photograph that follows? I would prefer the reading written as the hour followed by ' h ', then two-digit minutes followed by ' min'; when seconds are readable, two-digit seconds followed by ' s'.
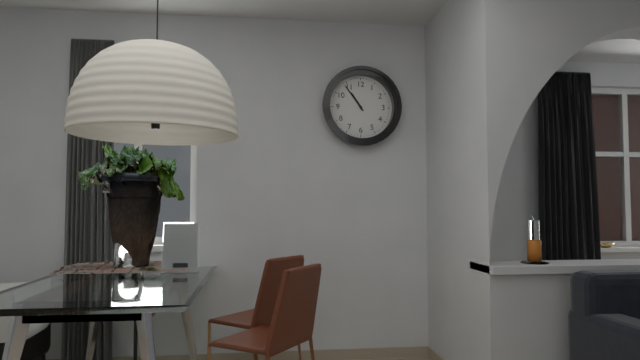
10 h 54 min
